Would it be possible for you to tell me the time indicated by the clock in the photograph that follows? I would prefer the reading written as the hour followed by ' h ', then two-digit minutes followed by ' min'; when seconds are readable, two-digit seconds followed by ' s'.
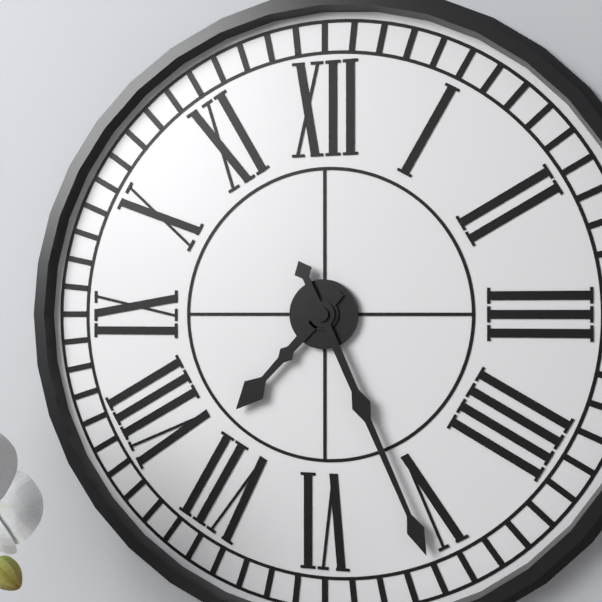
7 h 26 min
